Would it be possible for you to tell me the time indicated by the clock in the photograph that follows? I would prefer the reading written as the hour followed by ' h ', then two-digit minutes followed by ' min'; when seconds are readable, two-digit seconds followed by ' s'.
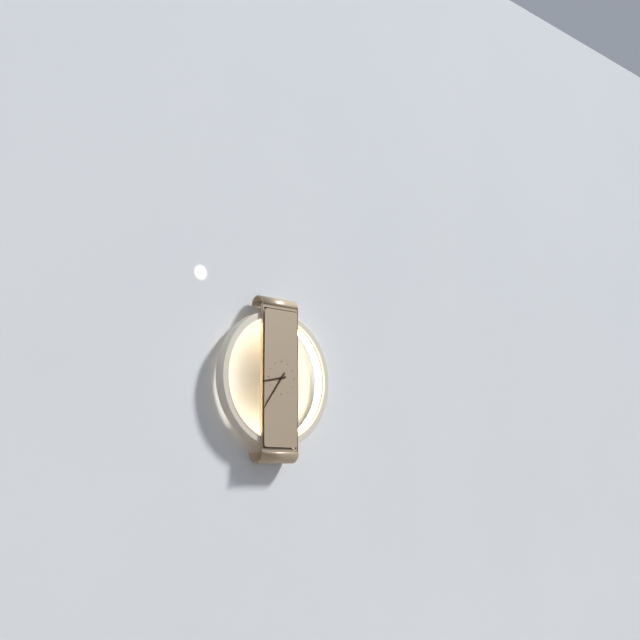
8 h 36 min
